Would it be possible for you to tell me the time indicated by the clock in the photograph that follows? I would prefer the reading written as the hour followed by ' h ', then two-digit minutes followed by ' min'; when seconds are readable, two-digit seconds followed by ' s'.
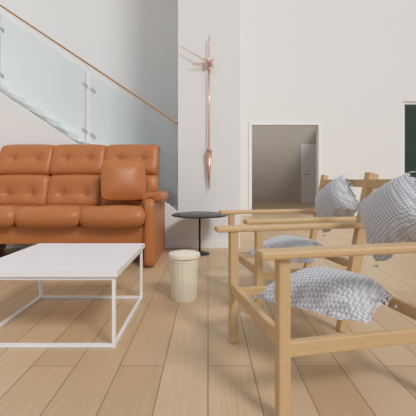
8 h 50 min
